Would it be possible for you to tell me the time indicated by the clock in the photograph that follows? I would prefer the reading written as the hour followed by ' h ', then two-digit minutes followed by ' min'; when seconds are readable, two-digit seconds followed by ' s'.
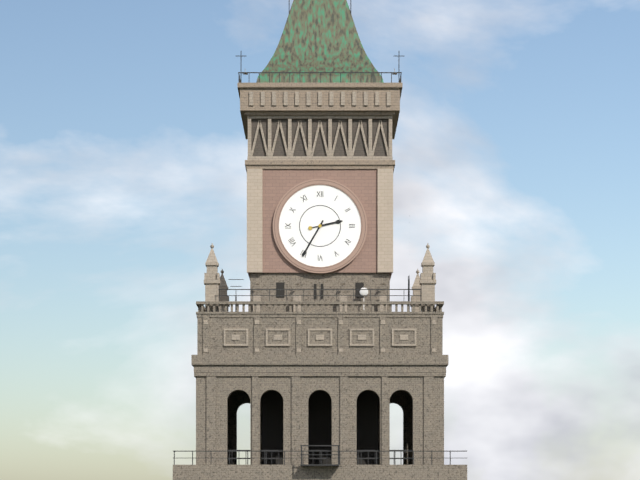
2 h 35 min
